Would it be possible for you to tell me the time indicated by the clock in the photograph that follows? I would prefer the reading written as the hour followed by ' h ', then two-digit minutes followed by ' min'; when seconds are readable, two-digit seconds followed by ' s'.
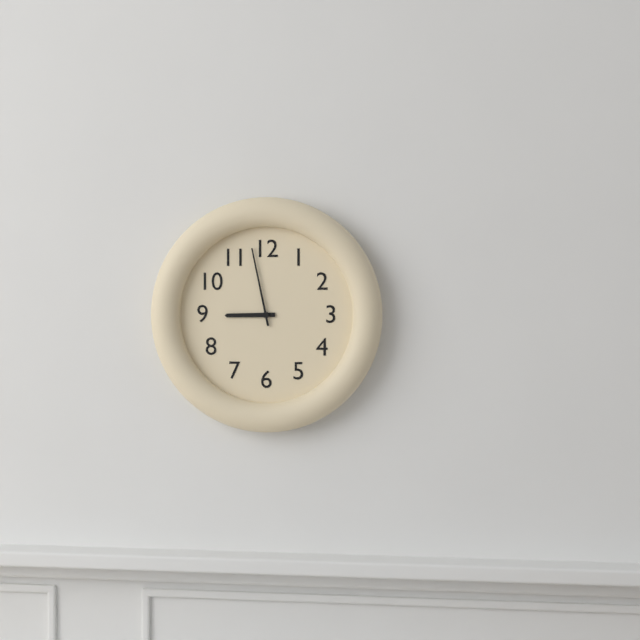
8 h 58 min
